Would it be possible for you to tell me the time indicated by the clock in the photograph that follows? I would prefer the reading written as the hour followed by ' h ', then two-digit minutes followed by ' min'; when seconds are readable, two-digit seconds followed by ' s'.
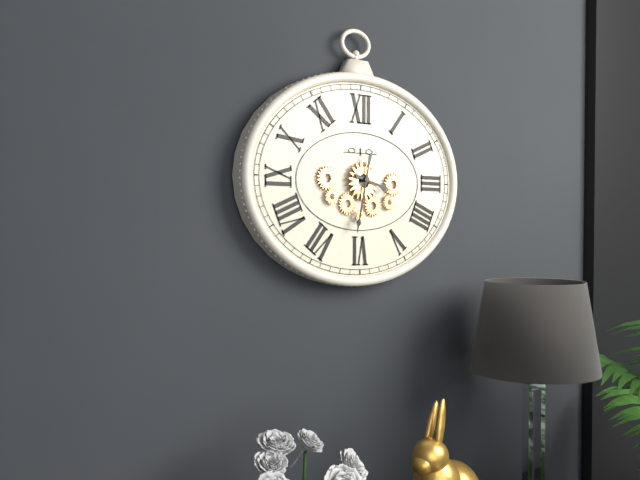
3 h 32 min
